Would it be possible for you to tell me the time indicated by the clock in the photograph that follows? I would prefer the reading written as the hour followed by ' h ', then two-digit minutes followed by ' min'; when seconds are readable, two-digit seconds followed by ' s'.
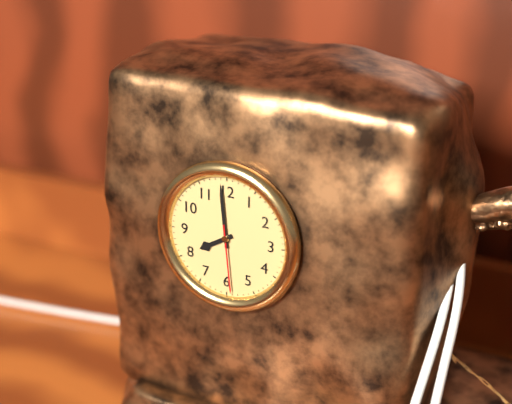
7 h 59 min 29 s
